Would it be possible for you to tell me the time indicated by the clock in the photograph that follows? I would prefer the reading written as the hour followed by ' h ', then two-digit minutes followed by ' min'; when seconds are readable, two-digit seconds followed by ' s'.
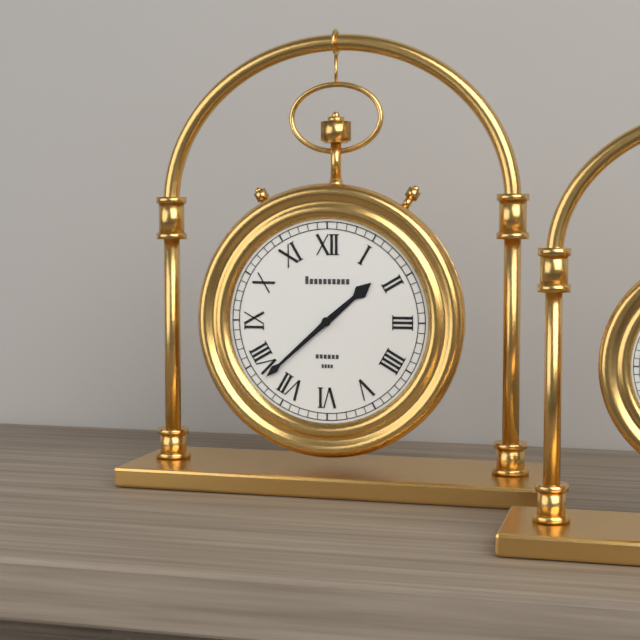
1 h 38 min
